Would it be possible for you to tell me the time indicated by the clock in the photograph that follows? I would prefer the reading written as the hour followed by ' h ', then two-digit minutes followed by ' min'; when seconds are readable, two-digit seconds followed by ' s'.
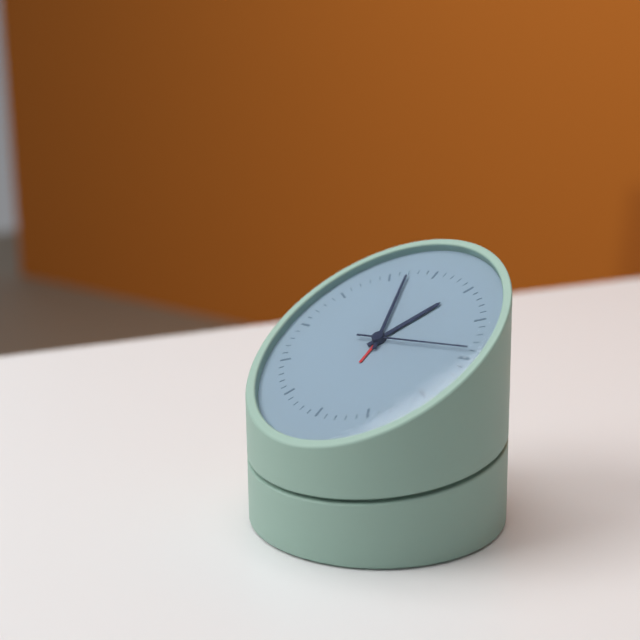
12 h 57 min 14 s
